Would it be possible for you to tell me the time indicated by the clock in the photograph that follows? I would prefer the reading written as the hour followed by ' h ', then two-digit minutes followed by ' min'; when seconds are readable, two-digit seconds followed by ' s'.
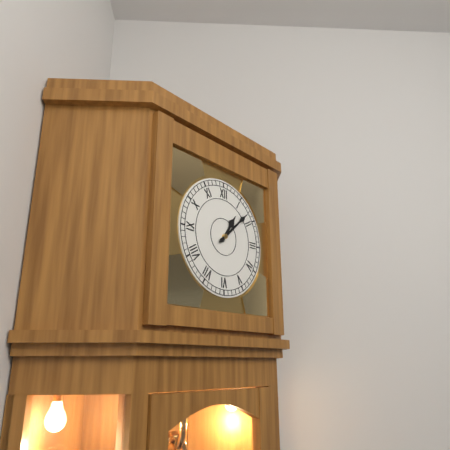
1 h 08 min
